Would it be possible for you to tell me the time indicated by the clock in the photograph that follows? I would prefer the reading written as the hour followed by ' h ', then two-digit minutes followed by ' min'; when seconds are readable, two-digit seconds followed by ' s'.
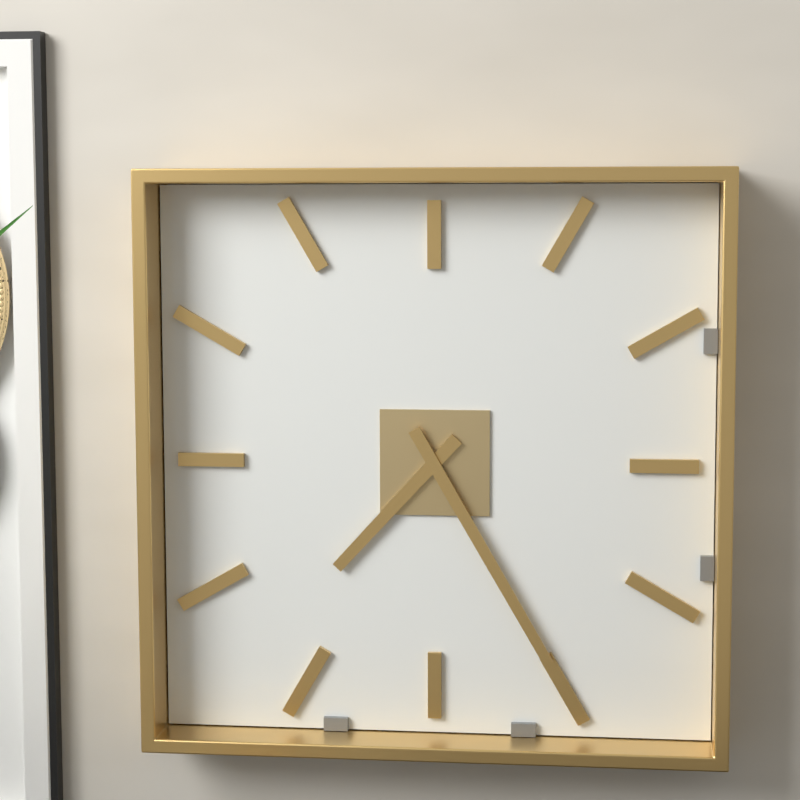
7 h 25 min
